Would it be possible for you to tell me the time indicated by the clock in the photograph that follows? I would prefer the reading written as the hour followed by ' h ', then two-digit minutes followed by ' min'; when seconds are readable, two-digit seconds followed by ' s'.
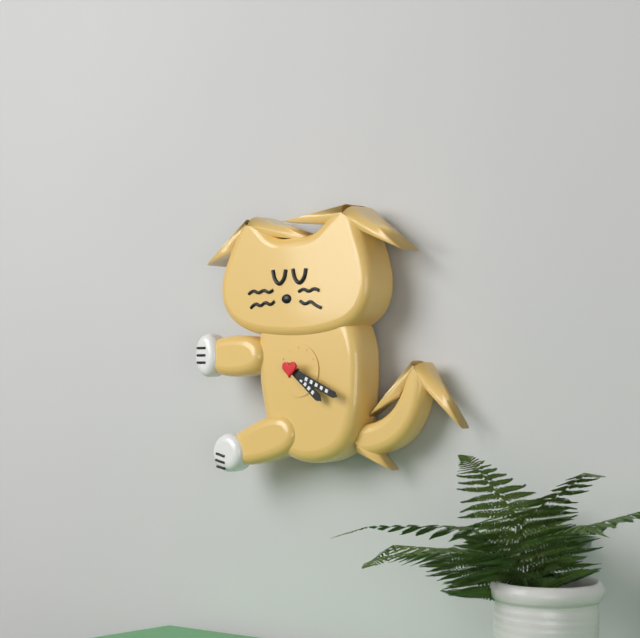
4 h 19 min
